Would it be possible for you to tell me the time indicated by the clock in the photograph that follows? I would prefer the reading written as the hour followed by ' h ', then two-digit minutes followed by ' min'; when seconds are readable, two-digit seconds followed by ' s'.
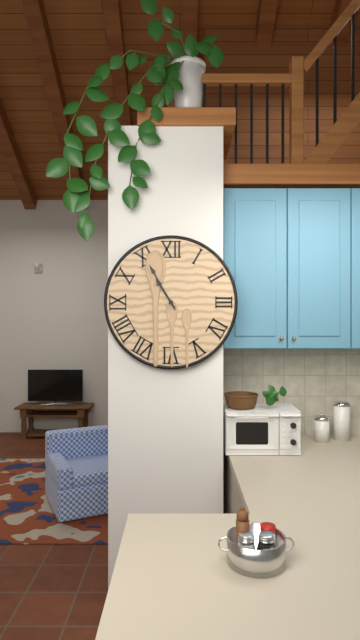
10 h 55 min
